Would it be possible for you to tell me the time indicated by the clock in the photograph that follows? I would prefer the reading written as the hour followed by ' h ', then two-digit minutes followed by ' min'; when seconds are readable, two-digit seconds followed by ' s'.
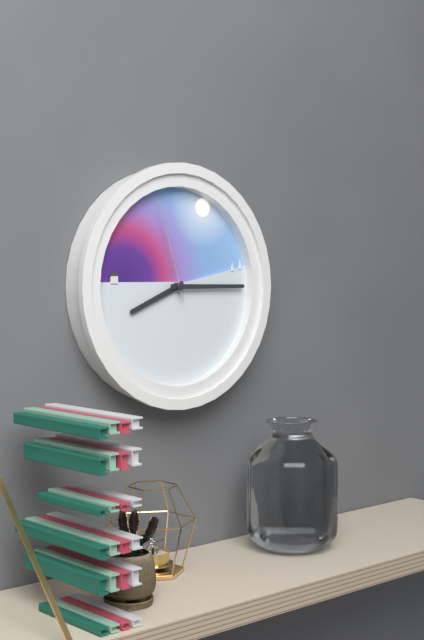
8 h 15 min 57 s
